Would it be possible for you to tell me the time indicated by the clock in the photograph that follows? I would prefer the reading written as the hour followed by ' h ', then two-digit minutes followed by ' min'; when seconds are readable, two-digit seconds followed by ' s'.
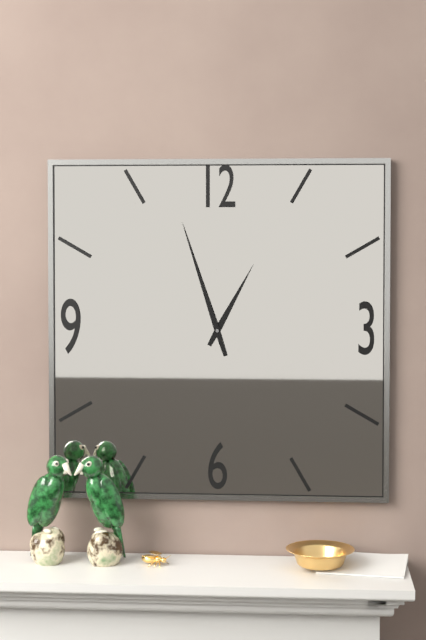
12 h 57 min
